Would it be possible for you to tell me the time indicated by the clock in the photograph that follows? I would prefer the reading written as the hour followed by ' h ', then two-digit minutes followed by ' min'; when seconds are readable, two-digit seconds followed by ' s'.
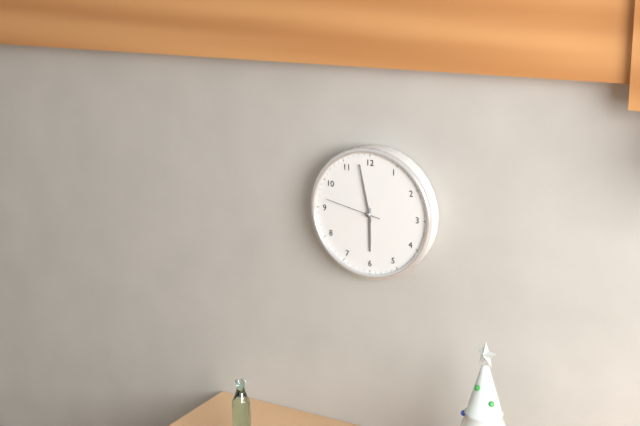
5 h 58 min 47 s
